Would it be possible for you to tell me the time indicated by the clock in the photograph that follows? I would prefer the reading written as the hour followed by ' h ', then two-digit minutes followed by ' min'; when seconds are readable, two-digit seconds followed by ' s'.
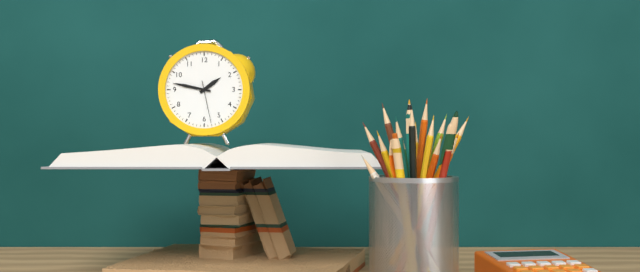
1 h 47 min
